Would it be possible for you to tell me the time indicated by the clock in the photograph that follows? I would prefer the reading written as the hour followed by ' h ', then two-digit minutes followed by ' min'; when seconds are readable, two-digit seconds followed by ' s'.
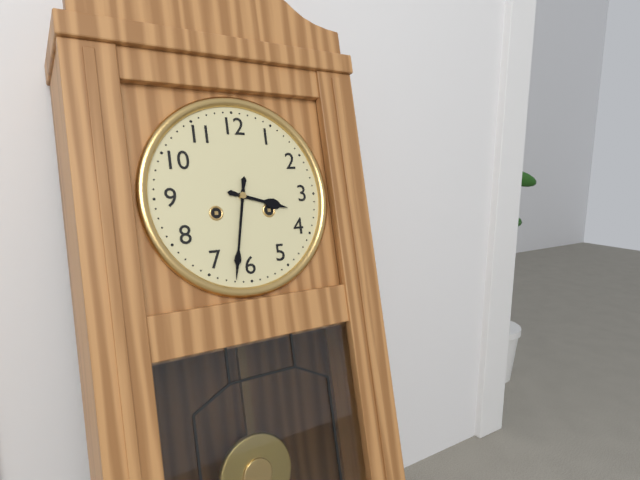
3 h 32 min
